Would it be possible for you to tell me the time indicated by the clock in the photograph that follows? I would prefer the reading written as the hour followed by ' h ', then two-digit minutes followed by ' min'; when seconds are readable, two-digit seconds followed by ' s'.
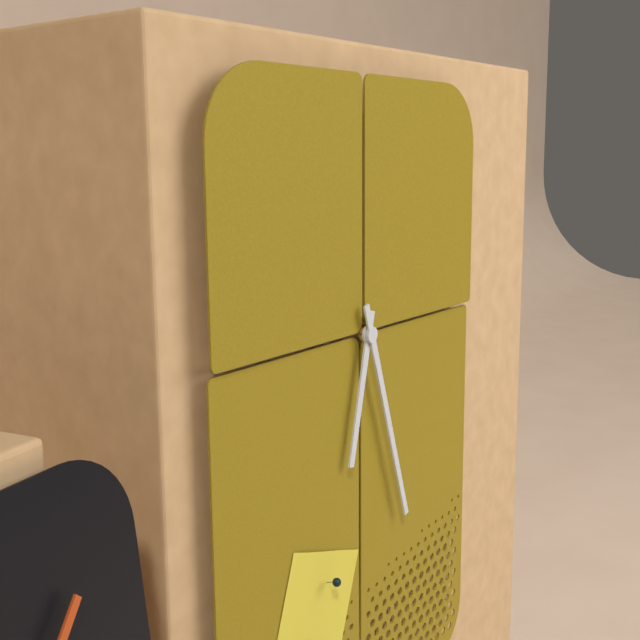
6 h 27 min
